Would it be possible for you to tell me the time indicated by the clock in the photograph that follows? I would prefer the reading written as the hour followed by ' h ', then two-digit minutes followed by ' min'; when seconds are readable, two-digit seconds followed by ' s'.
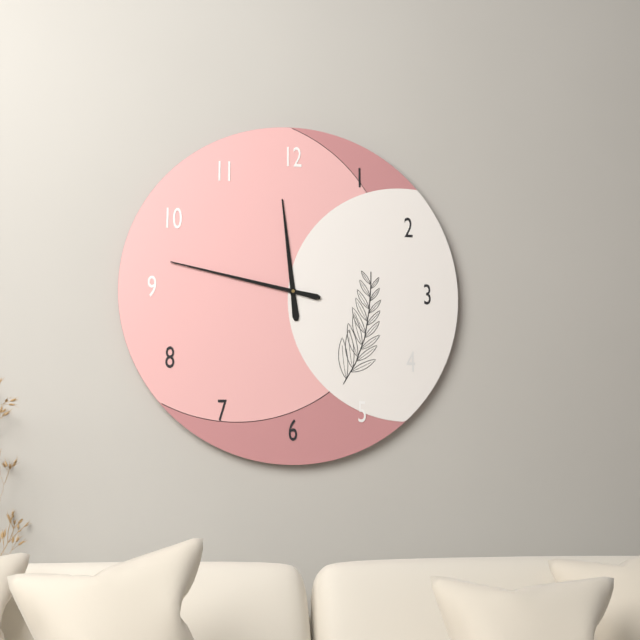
11 h 47 min
